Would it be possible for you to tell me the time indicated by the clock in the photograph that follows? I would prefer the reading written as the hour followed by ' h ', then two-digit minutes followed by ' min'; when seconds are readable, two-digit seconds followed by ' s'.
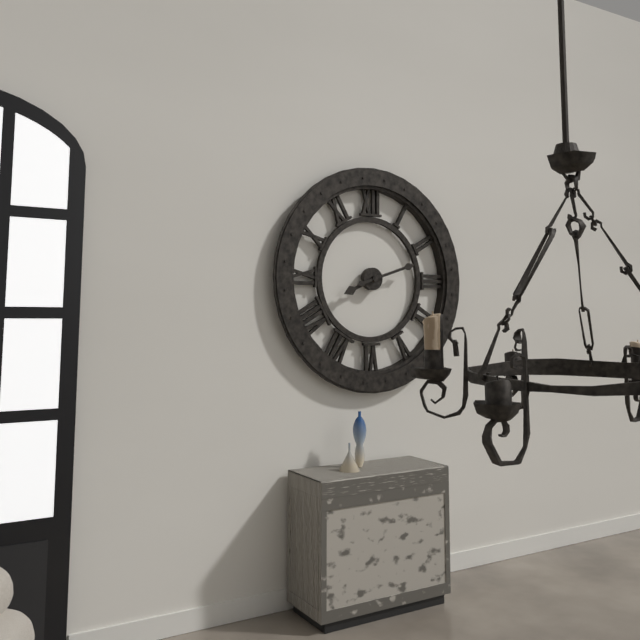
8 h 12 min
